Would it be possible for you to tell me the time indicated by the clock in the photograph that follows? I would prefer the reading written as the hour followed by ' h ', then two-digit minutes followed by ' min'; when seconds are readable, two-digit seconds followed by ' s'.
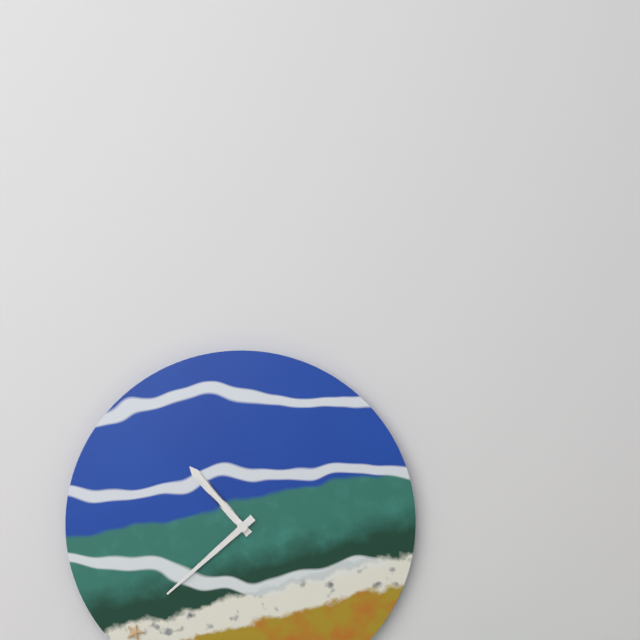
10 h 38 min
